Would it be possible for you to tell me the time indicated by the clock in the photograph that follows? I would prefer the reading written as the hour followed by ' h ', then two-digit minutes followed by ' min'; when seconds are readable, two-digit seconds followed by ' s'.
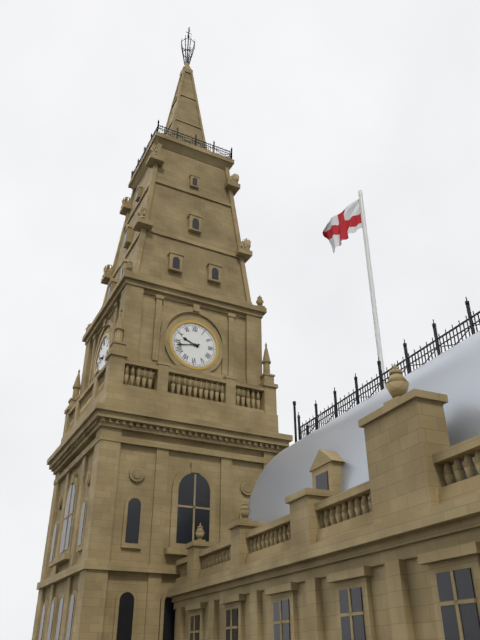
9 h 43 min
